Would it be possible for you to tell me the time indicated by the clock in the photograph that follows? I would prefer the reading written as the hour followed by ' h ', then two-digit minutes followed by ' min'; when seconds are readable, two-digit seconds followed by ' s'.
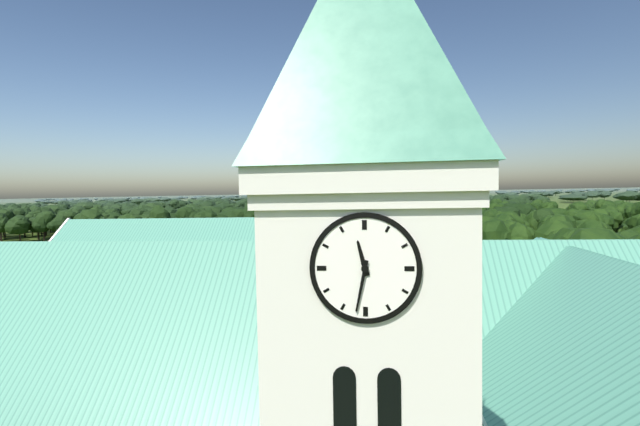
11 h 32 min
